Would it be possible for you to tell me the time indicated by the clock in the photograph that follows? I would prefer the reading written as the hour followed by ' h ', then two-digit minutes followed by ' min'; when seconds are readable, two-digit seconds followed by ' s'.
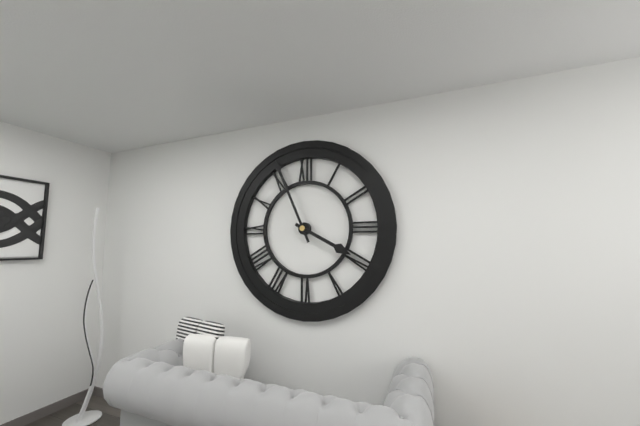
3 h 56 min
